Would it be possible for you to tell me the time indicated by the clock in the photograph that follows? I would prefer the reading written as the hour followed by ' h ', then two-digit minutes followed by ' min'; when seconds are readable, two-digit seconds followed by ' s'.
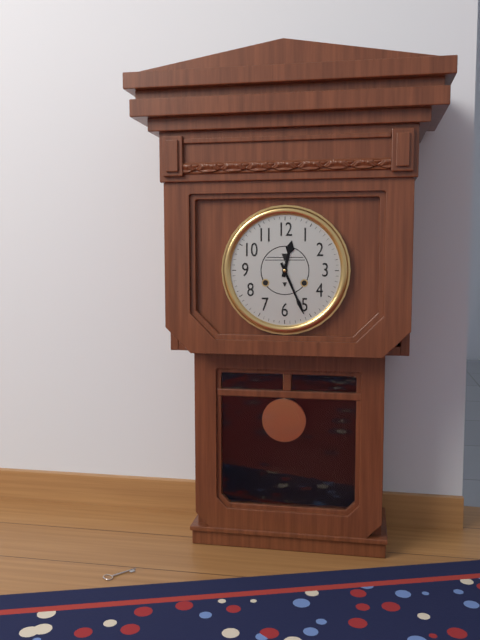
12 h 26 min
